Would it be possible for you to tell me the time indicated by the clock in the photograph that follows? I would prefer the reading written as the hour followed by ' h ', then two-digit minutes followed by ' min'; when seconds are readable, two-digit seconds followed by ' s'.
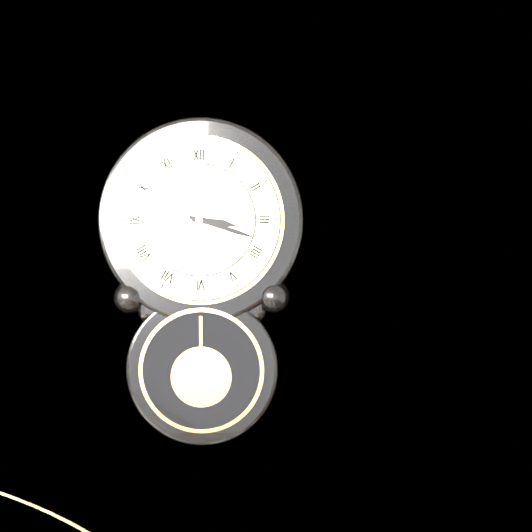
3 h 18 min
